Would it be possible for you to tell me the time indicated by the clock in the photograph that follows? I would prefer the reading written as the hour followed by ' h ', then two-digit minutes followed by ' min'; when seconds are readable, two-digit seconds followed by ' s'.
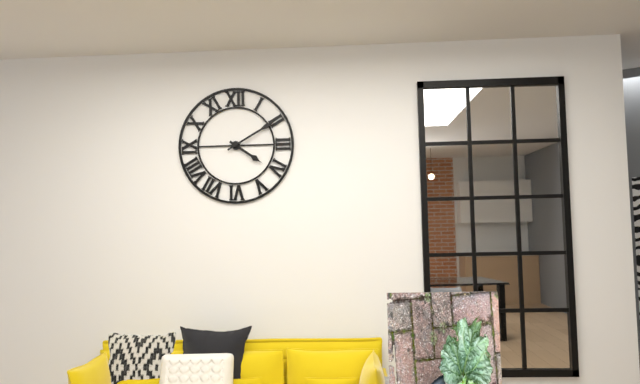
4 h 10 min
